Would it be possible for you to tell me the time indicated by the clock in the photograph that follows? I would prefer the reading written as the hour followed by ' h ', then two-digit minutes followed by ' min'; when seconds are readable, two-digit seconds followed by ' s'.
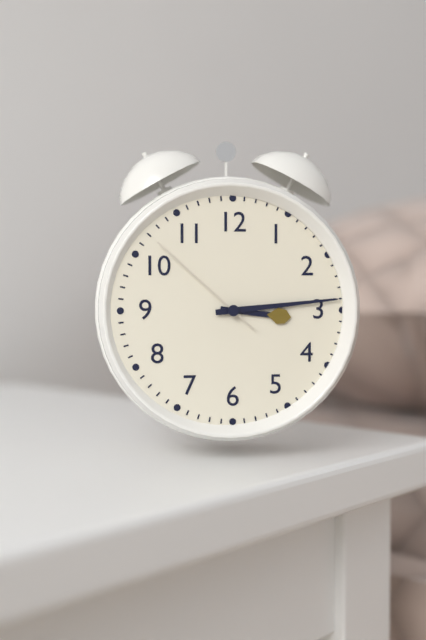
3 h 14 min 52 s
